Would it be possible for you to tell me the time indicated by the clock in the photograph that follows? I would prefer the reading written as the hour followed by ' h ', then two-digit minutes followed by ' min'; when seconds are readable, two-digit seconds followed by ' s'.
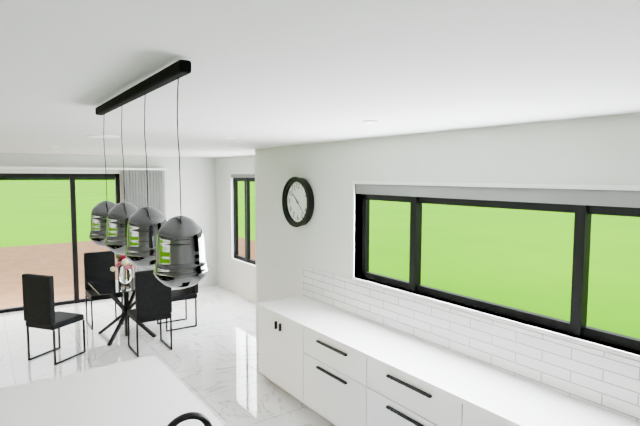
10 h 22 min
